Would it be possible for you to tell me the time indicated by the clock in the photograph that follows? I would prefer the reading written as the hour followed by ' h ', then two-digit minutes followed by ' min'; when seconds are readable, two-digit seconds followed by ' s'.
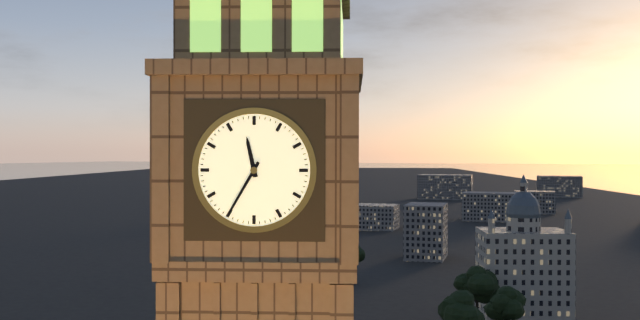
11 h 35 min
